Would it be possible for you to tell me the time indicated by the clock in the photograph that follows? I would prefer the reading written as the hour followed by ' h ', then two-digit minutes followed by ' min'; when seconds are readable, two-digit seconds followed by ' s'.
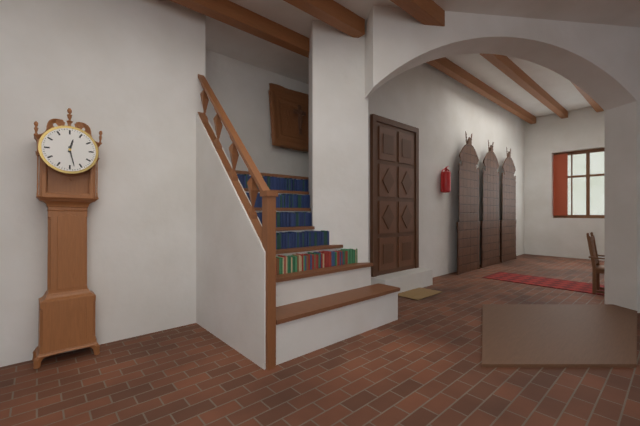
12 h 28 min
